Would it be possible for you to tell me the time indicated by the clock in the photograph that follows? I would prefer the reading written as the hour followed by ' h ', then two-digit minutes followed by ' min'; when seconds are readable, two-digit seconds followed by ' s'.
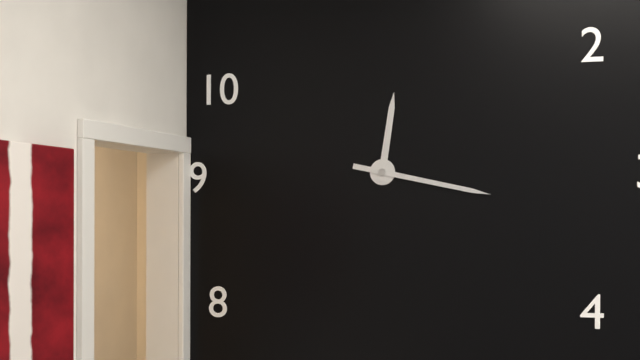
12 h 17 min
